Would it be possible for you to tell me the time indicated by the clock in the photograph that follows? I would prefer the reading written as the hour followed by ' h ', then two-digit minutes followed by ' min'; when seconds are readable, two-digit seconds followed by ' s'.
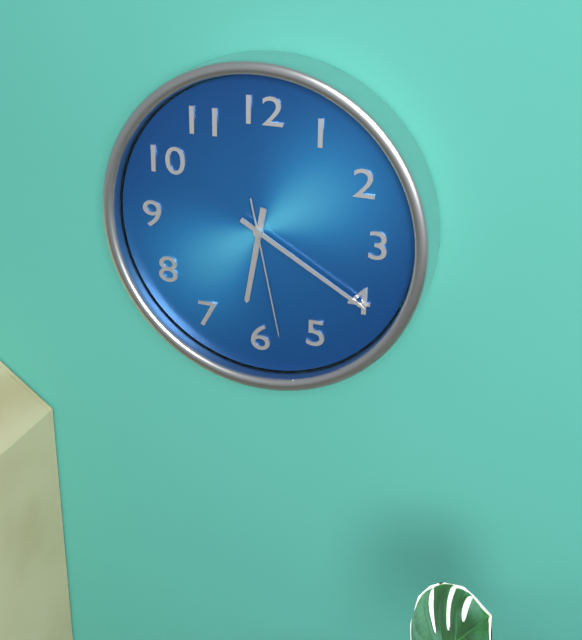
6 h 20 min 28 s
